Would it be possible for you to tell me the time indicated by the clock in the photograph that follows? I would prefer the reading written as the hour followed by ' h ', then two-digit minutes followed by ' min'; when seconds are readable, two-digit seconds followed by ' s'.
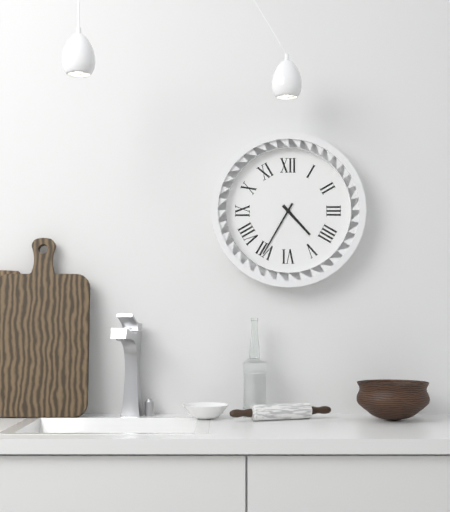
4 h 35 min
